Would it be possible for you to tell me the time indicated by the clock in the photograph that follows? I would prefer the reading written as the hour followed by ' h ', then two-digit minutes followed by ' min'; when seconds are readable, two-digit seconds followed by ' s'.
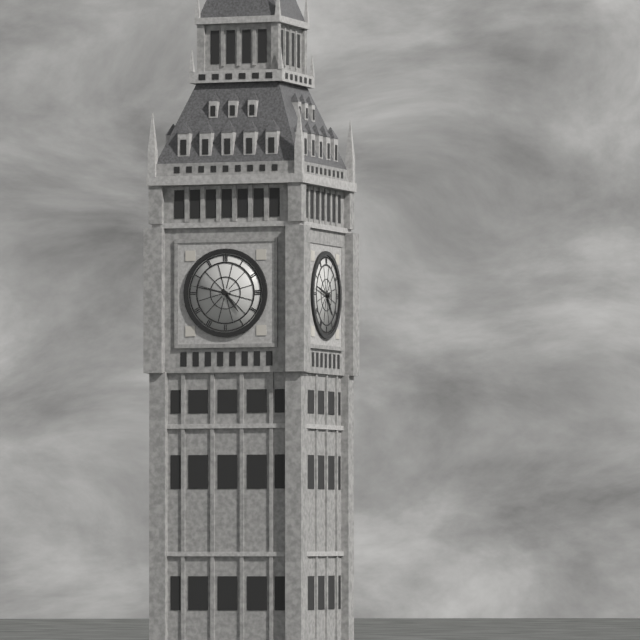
4 h 47 min
